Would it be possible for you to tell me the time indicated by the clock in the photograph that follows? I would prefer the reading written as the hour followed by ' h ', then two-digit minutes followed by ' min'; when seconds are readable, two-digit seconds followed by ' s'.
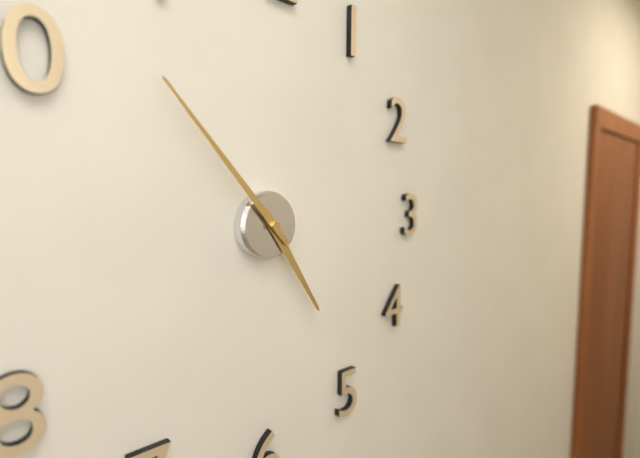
4 h 53 min
